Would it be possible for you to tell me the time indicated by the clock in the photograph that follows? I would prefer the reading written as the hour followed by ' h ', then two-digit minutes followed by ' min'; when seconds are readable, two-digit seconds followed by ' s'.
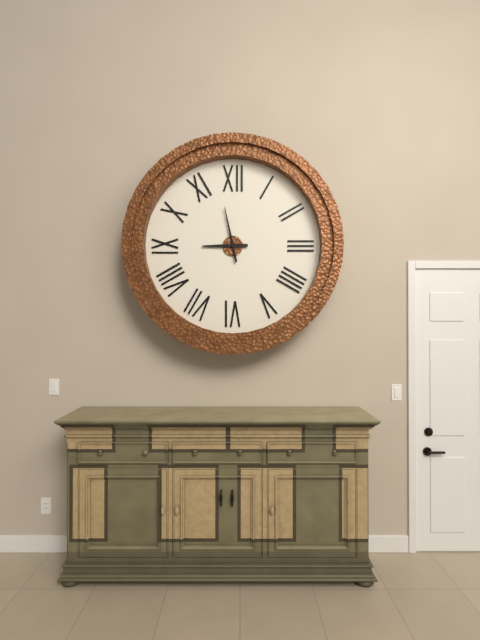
8 h 58 min
